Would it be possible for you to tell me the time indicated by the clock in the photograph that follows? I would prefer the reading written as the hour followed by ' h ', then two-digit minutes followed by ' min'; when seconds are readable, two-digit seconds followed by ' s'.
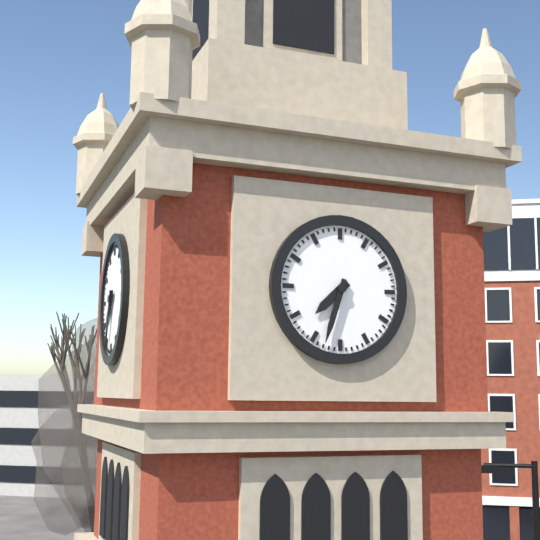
7 h 33 min
